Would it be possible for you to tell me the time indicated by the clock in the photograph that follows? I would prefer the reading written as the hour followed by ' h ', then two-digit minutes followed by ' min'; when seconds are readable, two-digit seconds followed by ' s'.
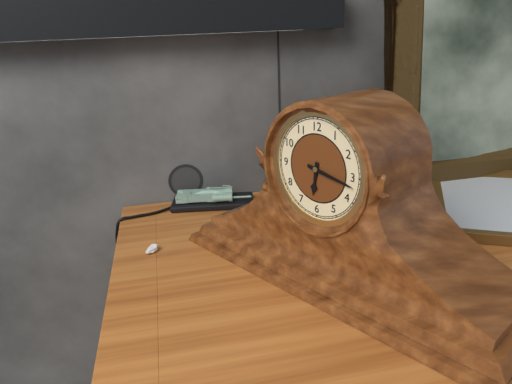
6 h 17 min
